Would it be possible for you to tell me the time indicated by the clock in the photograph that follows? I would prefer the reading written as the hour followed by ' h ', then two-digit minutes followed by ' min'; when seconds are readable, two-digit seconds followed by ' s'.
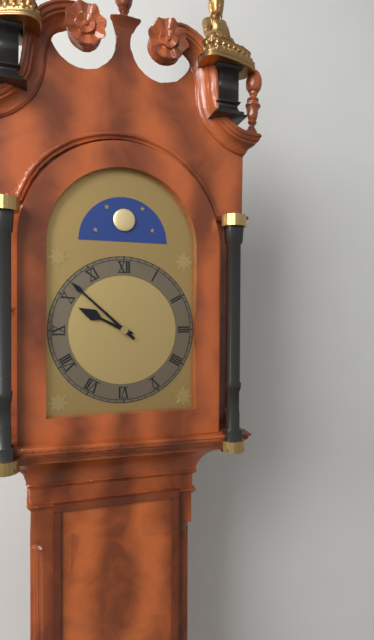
9 h 52 min
